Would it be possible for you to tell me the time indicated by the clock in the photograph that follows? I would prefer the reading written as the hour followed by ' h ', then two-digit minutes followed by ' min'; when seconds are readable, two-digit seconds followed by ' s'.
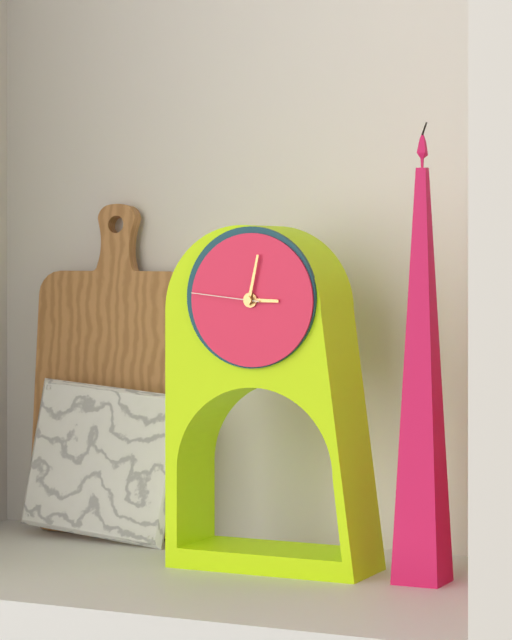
3 h 02 min 46 s
